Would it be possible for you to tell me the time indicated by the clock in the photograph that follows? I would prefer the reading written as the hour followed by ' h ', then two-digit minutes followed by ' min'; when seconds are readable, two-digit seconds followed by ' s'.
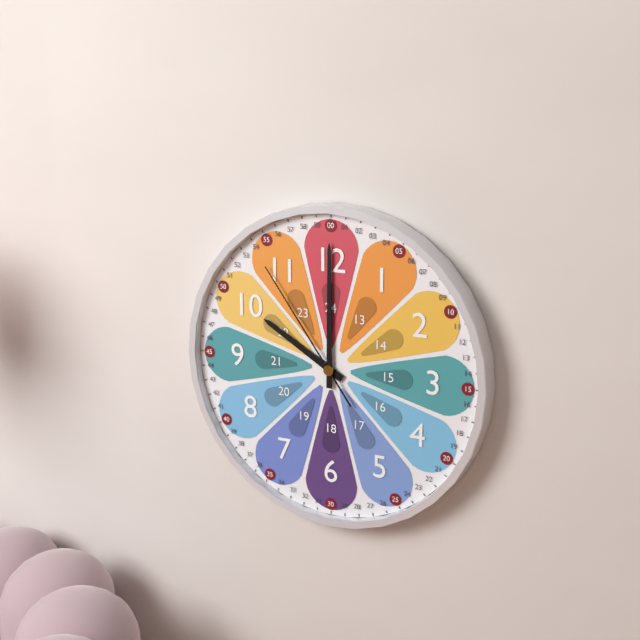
10 h 00 min 54 s
